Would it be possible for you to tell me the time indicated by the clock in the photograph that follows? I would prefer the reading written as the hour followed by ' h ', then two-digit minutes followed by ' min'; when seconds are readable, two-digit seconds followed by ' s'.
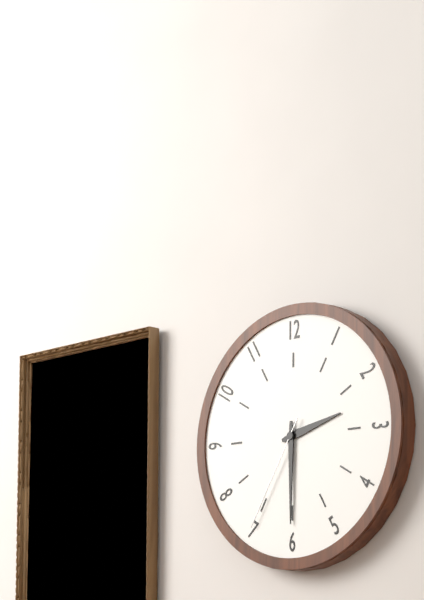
2 h 30 min 35 s
